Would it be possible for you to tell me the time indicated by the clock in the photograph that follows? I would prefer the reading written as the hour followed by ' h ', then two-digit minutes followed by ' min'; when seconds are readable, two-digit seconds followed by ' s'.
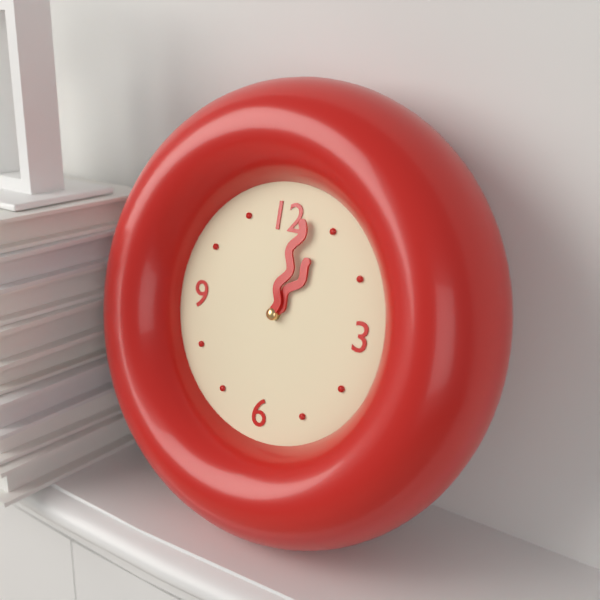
1 h 02 min
